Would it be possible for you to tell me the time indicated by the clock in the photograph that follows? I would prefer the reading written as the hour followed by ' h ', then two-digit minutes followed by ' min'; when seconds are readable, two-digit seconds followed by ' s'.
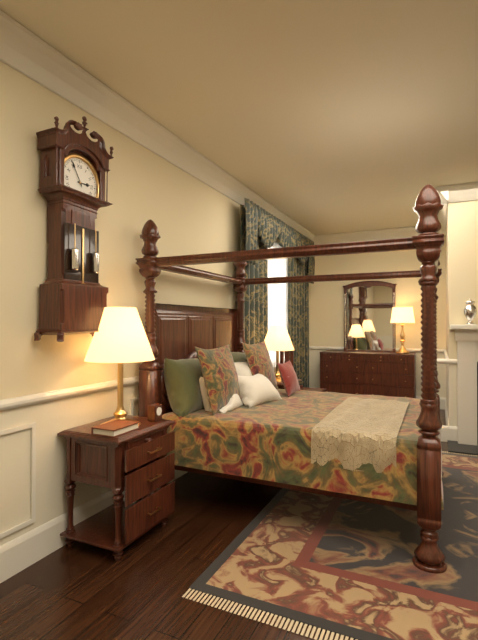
2 h 55 min
